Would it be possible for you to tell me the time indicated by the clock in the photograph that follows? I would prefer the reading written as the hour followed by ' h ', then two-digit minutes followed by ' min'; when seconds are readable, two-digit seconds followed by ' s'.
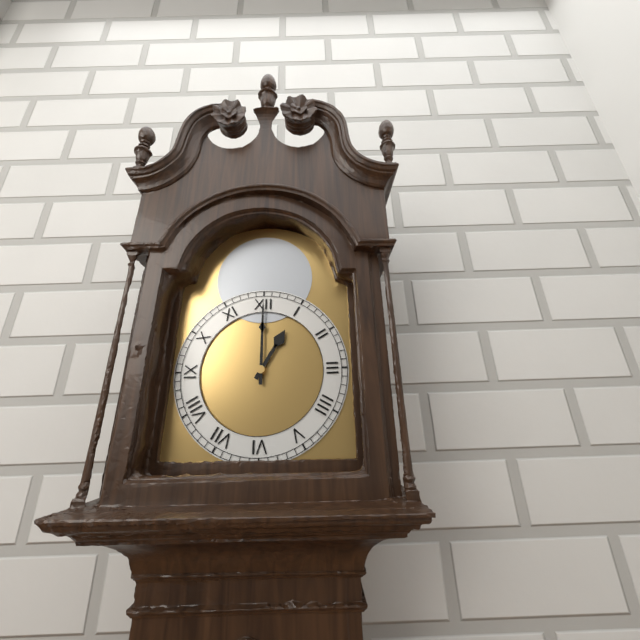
1 h 00 min
